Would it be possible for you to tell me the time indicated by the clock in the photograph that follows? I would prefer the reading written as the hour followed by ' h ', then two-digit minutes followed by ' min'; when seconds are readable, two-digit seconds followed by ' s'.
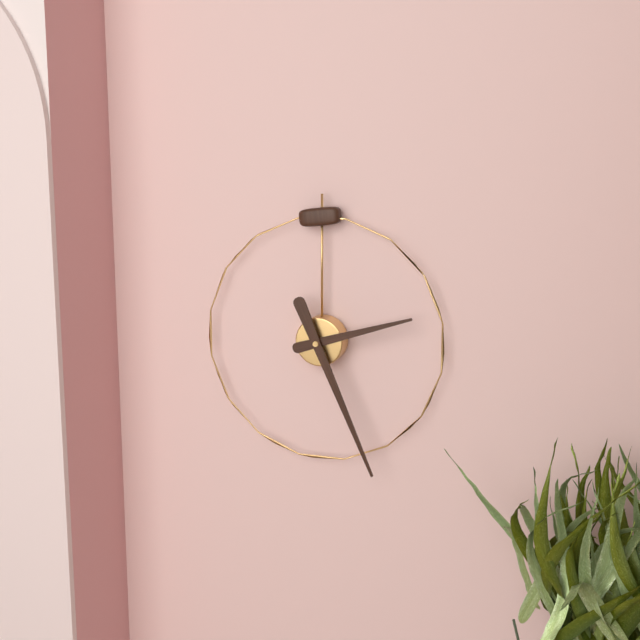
2 h 26 min
